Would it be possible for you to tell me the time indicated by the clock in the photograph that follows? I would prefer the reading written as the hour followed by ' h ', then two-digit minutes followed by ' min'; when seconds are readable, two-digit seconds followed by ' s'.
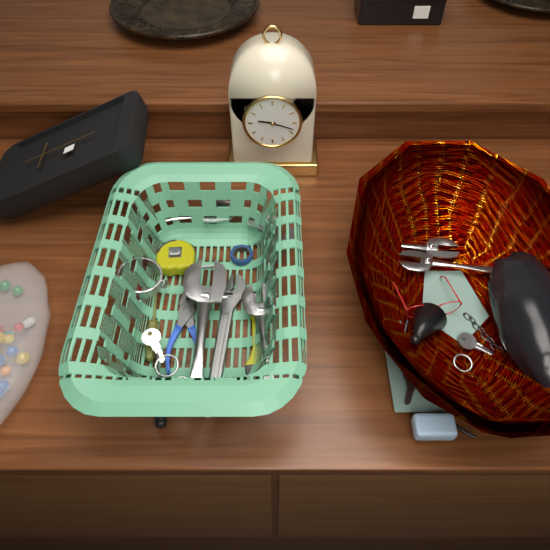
9 h 18 min
